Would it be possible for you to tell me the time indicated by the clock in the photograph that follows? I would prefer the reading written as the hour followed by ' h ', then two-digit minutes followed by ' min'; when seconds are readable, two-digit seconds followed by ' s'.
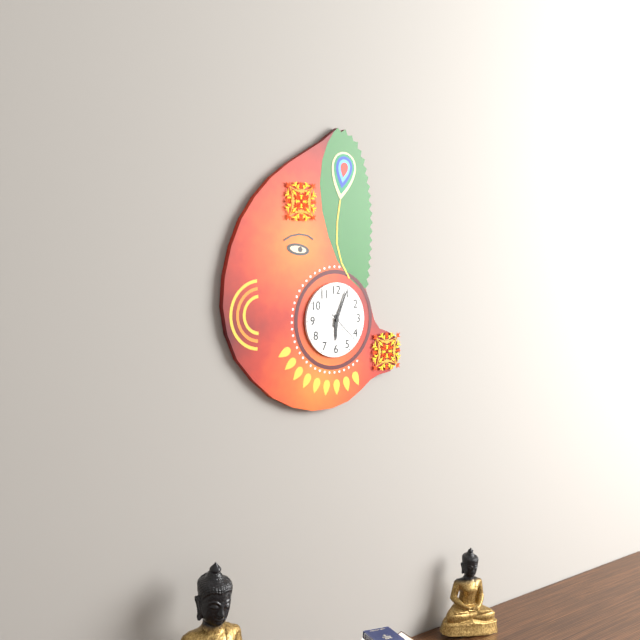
6 h 04 min
